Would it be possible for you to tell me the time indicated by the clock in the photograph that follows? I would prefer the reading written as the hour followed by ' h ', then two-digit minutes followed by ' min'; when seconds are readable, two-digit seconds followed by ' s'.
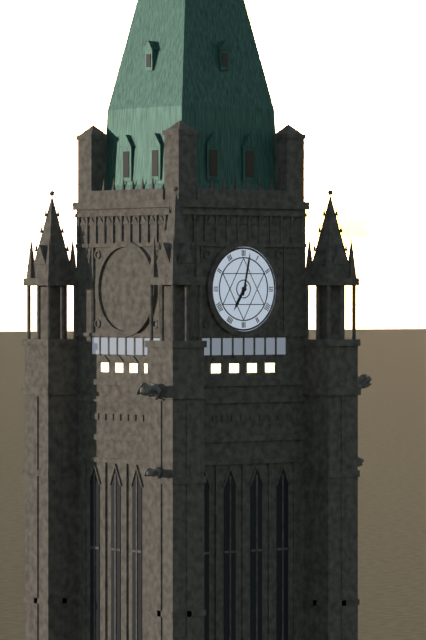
7 h 02 min
